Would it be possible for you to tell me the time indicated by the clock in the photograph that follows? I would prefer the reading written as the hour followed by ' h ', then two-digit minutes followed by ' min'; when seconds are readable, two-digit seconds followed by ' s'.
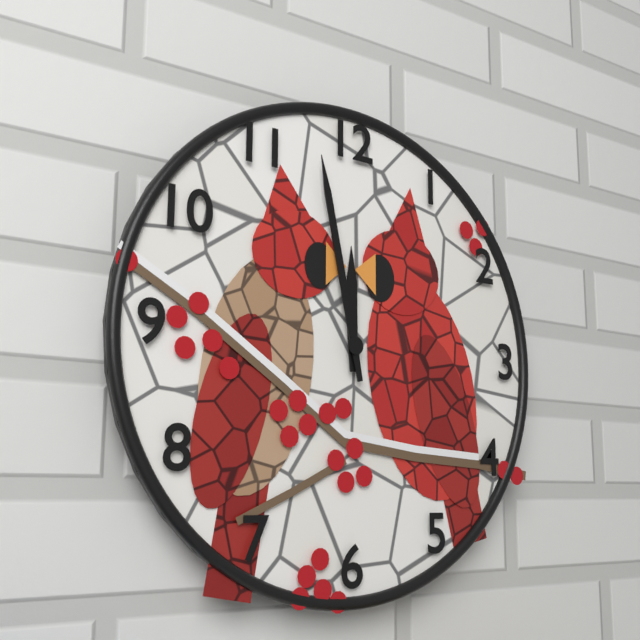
11 h 58 min
